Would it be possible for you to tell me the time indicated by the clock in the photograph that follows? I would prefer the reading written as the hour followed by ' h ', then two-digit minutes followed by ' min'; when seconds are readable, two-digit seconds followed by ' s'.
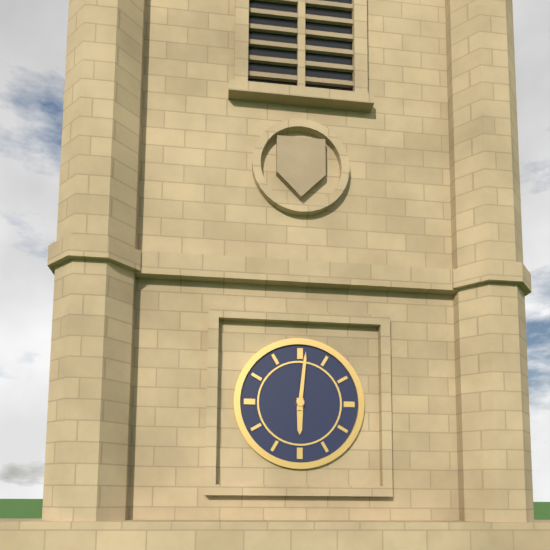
6 h 01 min
